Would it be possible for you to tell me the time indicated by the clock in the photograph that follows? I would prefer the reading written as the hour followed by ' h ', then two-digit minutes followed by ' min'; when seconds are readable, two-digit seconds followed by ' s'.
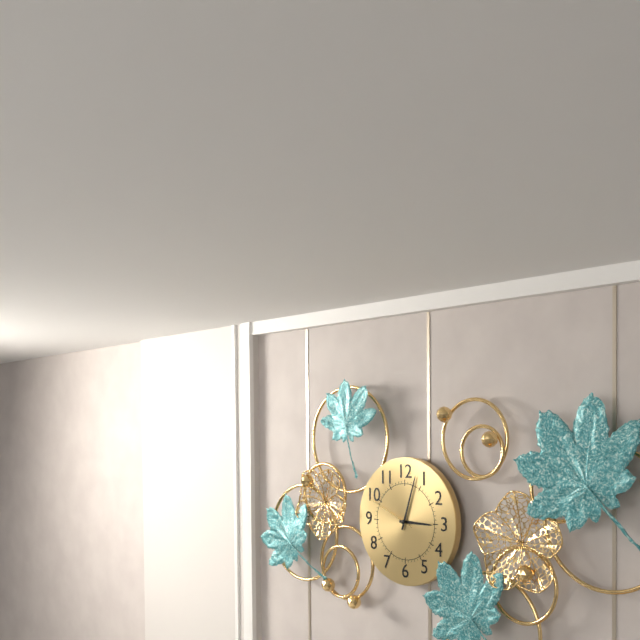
3 h 03 min 49 s
